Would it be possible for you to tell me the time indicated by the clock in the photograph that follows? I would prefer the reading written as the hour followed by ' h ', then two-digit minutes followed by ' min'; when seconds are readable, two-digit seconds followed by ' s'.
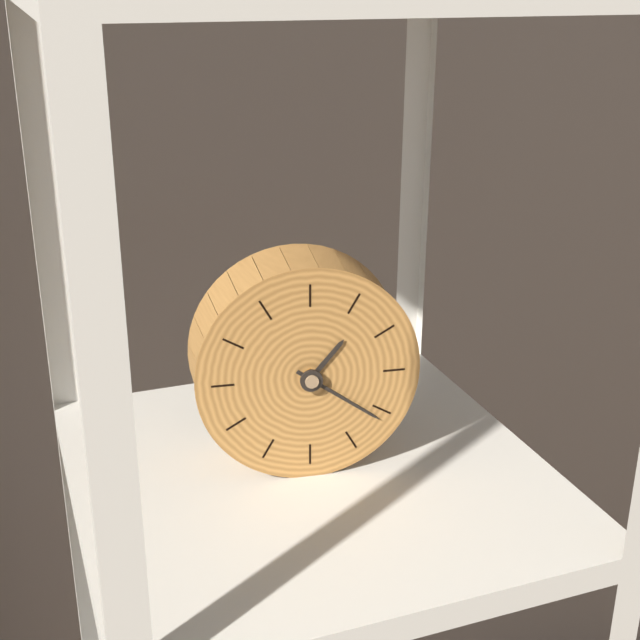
1 h 21 min
